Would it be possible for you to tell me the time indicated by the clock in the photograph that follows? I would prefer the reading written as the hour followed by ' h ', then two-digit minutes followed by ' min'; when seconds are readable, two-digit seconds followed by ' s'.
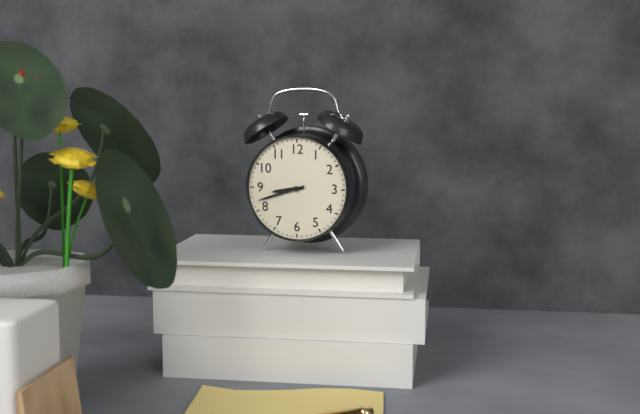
8 h 42 min
